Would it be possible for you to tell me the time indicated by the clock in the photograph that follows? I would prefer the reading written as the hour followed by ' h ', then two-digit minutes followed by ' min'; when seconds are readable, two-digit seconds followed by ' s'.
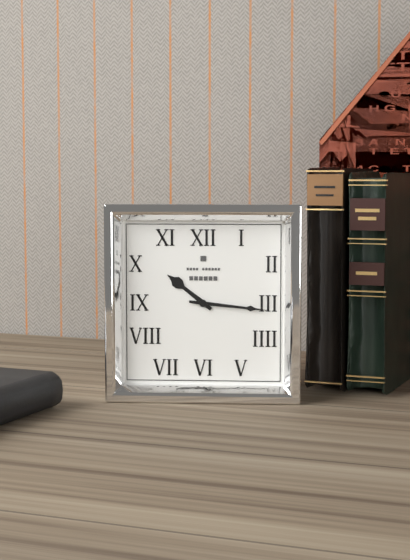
10 h 16 min
